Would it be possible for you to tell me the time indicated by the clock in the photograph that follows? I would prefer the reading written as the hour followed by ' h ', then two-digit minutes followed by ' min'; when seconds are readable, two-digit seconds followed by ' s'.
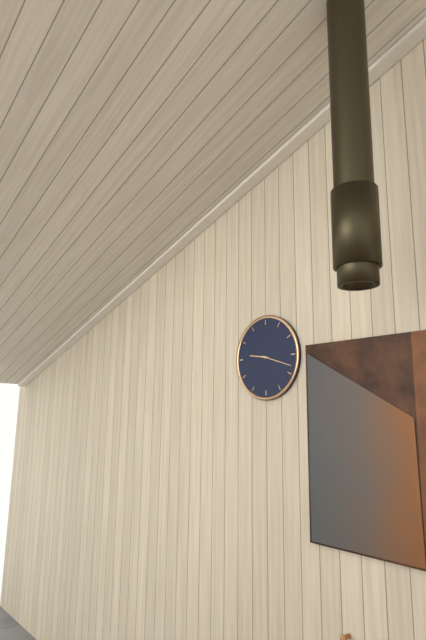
9 h 18 min
